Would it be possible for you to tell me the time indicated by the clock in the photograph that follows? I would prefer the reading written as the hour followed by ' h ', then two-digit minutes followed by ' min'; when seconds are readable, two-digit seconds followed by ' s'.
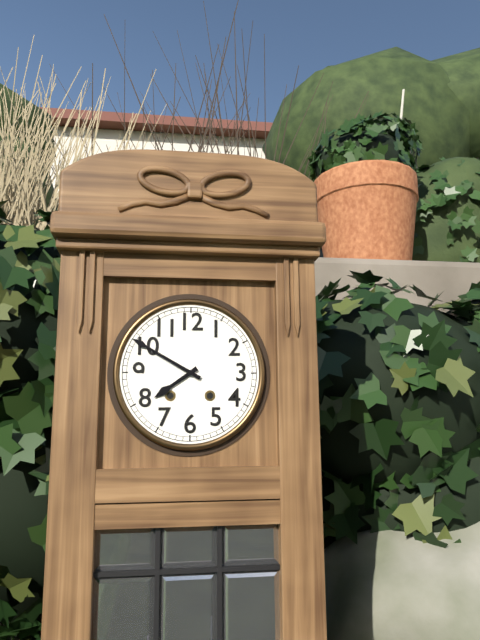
7 h 50 min
